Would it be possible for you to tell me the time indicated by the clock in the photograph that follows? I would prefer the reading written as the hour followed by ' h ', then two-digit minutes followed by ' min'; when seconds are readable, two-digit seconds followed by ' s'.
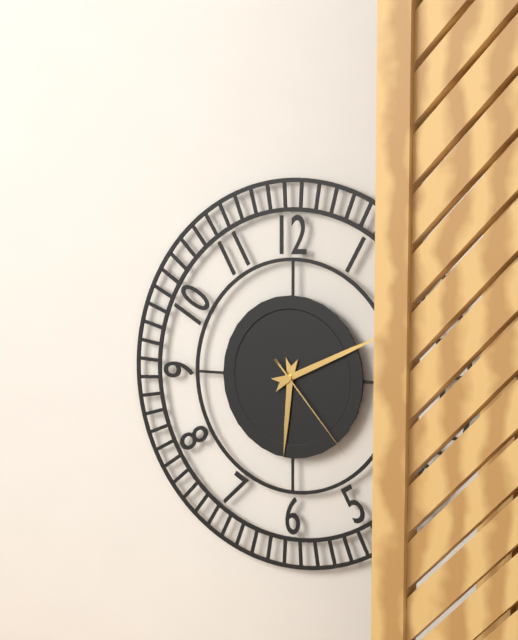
6 h 11 min 23 s
